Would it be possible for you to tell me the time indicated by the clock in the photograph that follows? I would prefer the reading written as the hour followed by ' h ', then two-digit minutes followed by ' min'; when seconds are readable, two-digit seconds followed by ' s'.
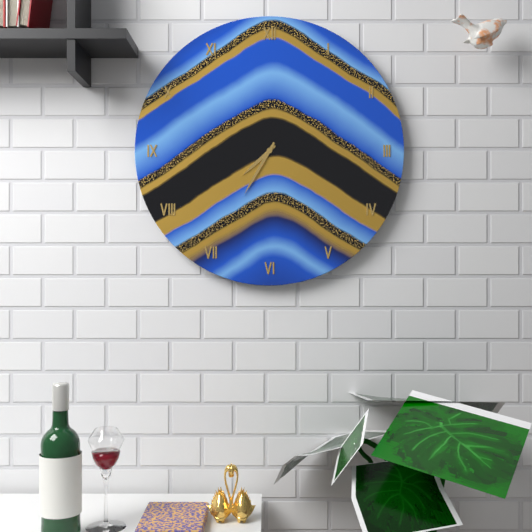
7 h 35 min
